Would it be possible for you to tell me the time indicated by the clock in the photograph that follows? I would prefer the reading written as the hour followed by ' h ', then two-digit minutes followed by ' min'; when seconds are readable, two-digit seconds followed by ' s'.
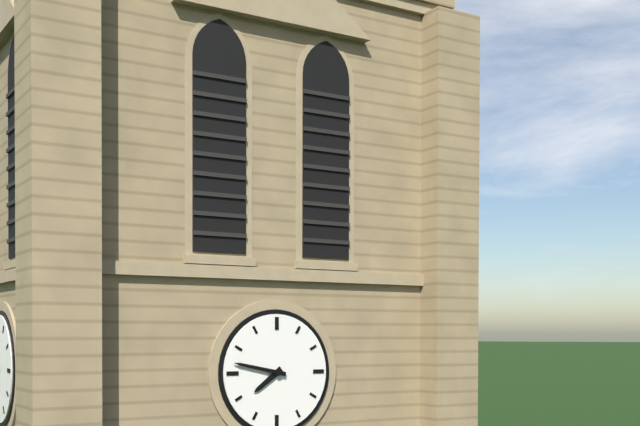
7 h 47 min
